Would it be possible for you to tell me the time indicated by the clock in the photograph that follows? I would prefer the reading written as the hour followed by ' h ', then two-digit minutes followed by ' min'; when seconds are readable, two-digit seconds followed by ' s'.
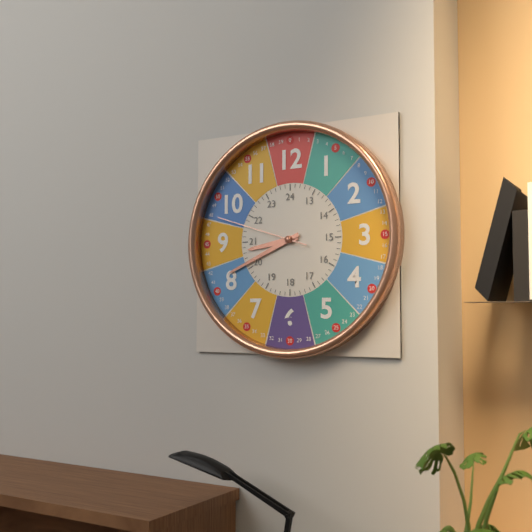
8 h 41 min 48 s
